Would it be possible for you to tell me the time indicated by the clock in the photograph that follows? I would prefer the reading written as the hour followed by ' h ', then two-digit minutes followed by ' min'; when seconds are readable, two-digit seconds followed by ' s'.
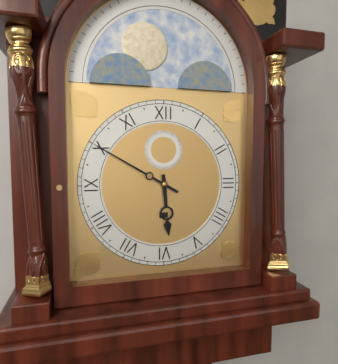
5 h 50 min
